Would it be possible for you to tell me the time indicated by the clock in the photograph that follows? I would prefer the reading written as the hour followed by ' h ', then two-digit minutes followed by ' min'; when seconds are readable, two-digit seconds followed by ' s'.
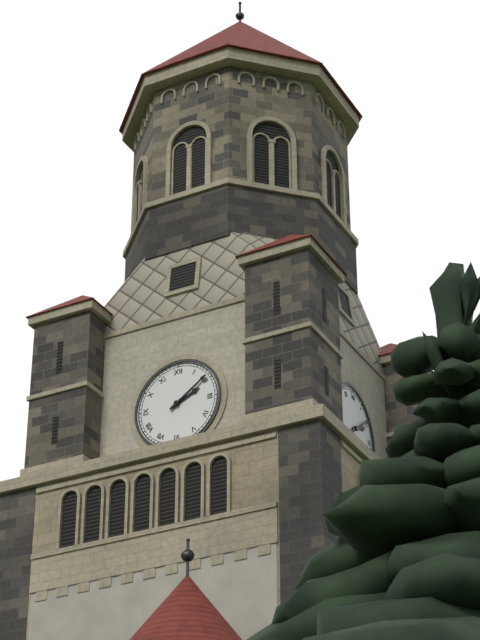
2 h 09 min
